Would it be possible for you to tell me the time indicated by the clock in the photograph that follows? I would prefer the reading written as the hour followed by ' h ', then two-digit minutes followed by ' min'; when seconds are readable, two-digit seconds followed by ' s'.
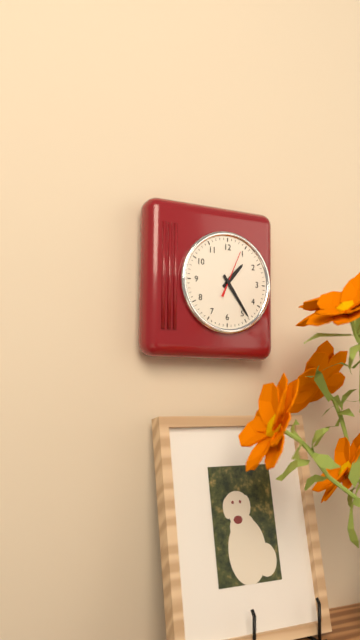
1 h 24 min
